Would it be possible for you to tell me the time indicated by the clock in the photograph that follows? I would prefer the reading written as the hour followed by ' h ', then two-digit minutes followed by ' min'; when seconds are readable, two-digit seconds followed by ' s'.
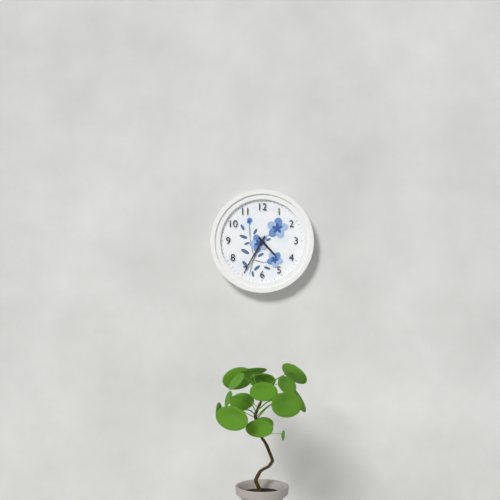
4 h 35 min
